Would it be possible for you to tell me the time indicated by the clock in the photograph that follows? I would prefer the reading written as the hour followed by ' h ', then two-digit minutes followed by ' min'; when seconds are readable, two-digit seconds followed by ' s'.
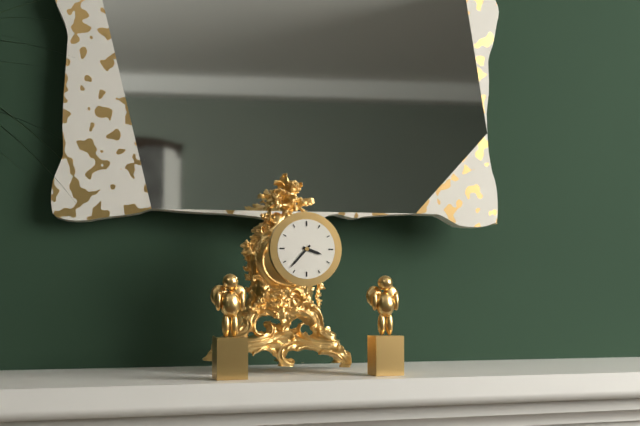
3 h 37 min
